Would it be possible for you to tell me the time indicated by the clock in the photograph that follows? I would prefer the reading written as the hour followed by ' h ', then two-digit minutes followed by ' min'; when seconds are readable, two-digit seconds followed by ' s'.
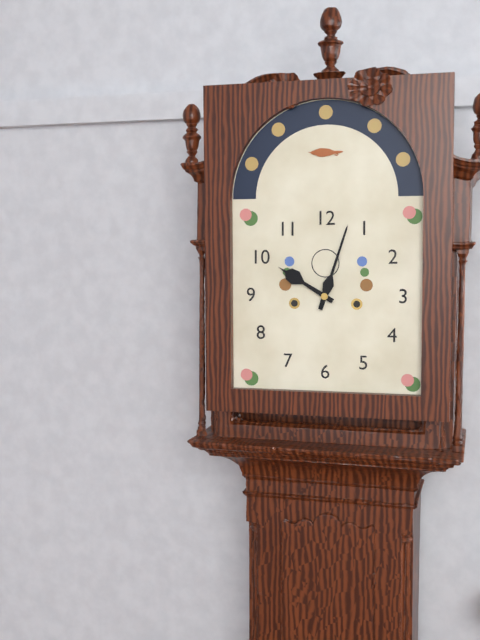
10 h 03 min
